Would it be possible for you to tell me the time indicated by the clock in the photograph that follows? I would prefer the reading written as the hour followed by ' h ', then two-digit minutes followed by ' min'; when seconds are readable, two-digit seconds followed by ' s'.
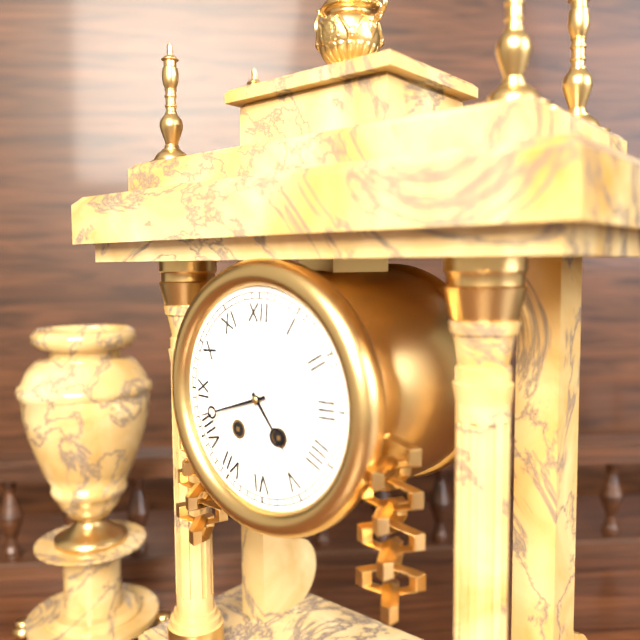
4 h 42 min
